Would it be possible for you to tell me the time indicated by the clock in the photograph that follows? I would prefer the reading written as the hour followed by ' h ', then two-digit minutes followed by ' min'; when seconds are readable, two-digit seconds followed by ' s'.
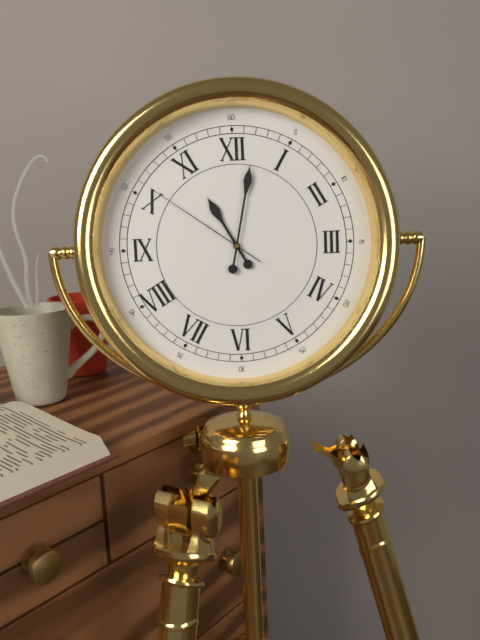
11 h 02 min 51 s
